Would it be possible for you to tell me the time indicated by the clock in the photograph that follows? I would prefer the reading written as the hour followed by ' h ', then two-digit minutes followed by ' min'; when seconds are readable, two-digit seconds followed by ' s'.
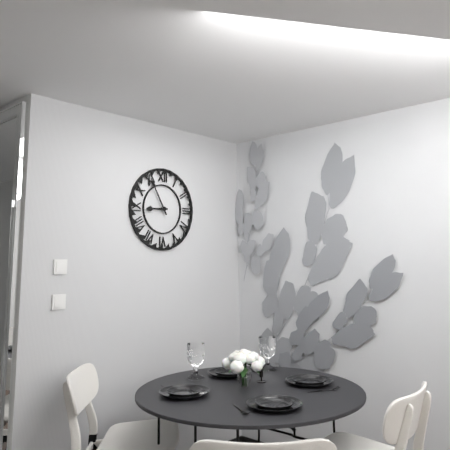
8 h 55 min
